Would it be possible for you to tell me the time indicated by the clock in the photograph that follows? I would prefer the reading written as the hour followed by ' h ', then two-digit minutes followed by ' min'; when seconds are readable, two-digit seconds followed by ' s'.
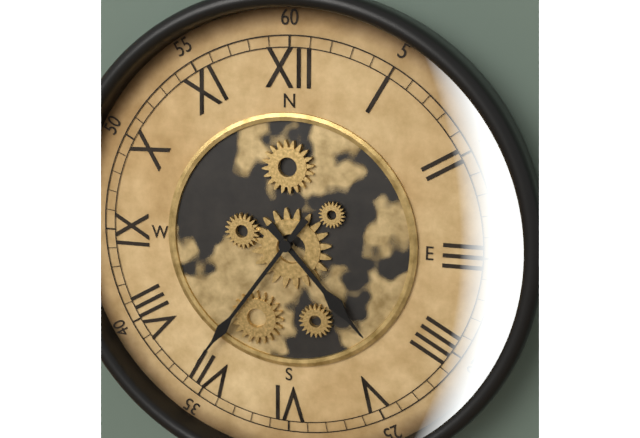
4 h 36 min
